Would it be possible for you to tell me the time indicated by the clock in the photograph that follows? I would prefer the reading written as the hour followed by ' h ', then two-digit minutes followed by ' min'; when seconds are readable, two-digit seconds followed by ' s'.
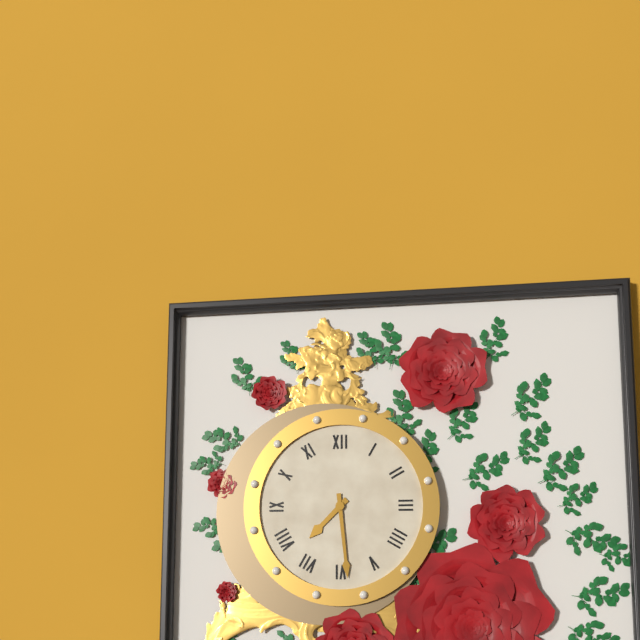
7 h 29 min
